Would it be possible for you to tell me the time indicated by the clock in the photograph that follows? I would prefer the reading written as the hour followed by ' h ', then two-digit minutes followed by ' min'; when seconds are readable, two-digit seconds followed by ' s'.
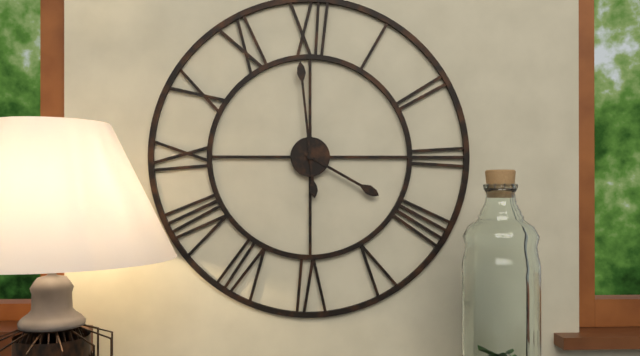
3 h 59 min
